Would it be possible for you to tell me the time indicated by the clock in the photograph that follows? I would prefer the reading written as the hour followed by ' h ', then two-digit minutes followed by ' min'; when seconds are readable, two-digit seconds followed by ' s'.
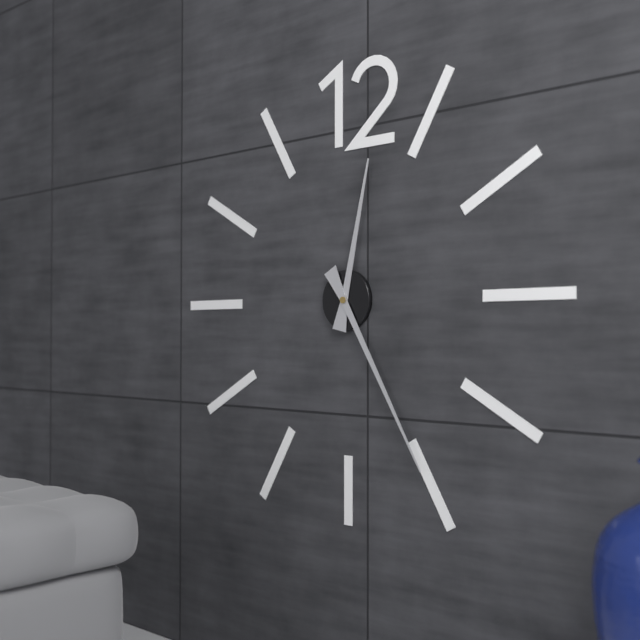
12 h 25 min
